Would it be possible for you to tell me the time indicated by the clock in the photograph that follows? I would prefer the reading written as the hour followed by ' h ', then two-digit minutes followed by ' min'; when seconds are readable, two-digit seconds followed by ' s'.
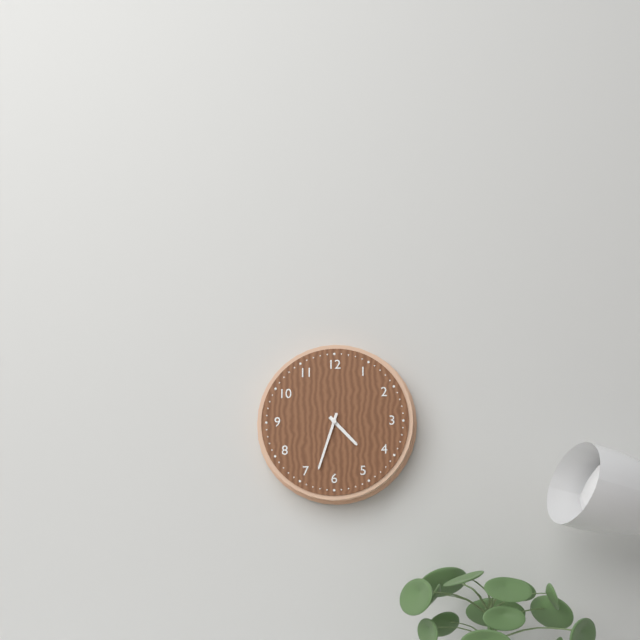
4 h 33 min
